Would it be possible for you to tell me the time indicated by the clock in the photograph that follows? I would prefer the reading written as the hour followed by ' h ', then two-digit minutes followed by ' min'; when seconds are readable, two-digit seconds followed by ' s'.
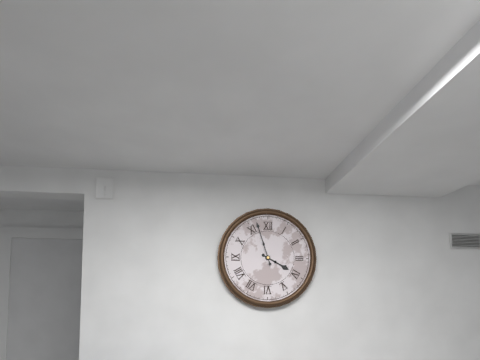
3 h 57 min
